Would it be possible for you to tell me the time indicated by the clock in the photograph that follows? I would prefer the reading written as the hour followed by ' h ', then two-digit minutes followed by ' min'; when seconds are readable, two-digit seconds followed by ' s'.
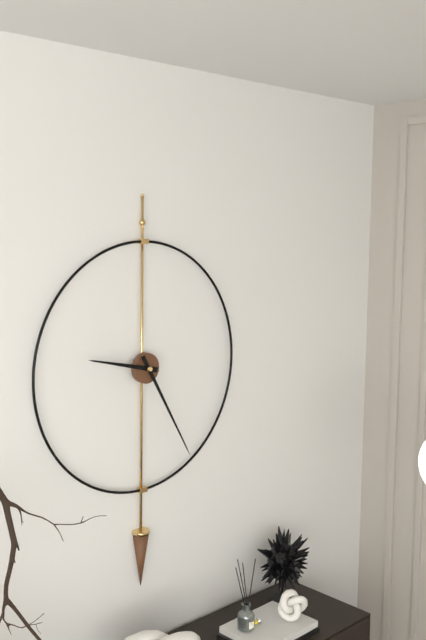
9 h 25 min
